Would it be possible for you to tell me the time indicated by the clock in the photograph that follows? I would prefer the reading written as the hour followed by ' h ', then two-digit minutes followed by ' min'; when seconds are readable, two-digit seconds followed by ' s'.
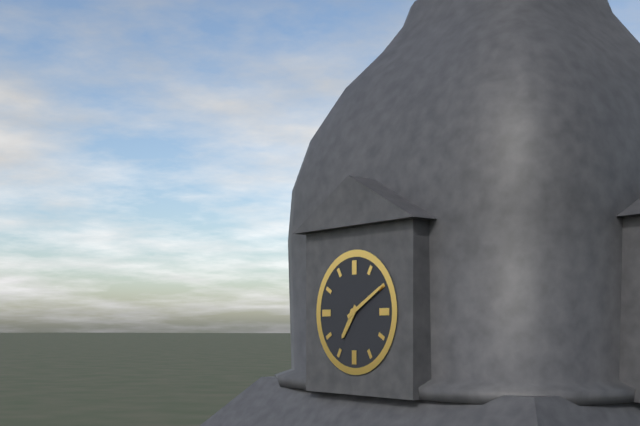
7 h 10 min
